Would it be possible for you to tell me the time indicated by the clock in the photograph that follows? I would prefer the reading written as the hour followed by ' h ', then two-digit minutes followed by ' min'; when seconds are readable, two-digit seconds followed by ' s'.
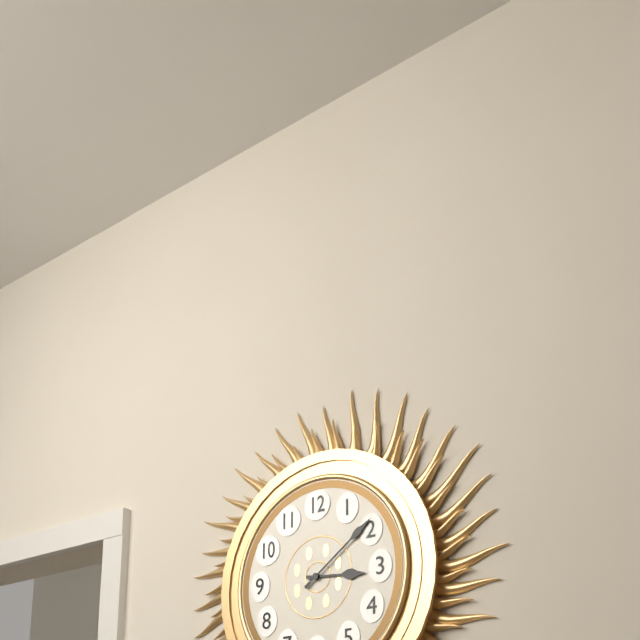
3 h 09 min
